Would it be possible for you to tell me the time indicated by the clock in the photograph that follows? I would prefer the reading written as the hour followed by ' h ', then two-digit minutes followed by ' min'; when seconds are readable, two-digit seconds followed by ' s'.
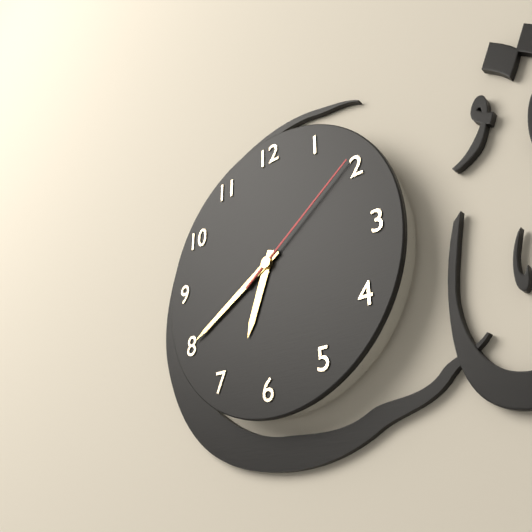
6 h 40 min 09 s
